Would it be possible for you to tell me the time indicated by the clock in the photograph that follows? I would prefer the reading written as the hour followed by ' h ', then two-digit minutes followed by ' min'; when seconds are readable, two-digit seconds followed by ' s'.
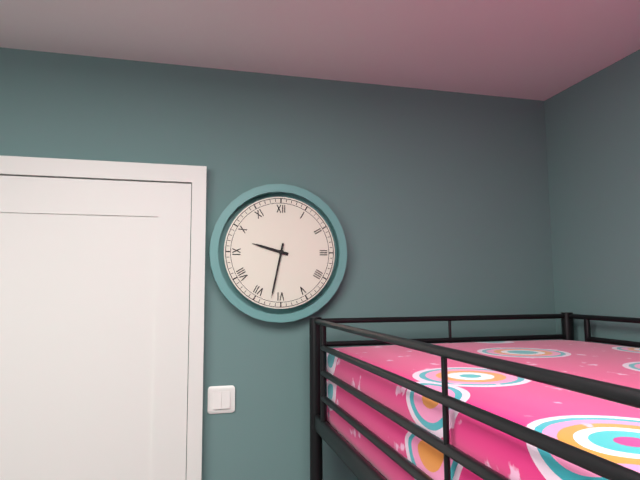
9 h 32 min
